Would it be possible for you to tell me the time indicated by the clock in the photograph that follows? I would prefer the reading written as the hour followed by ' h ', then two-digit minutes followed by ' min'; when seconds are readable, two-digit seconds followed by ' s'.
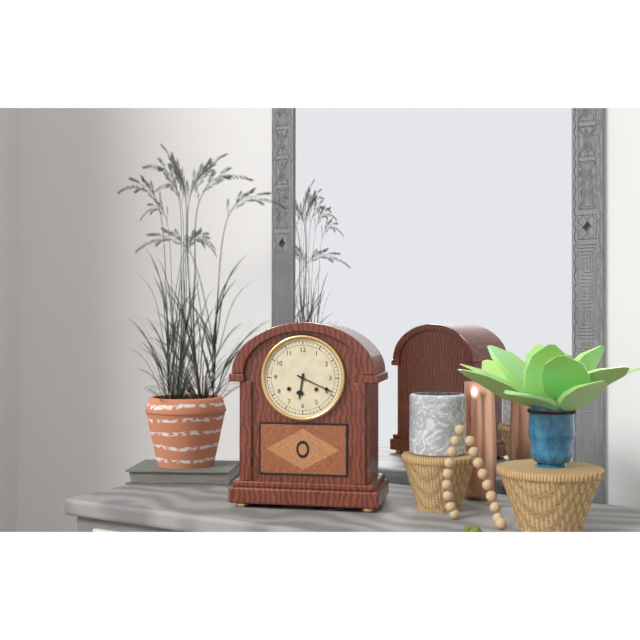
6 h 19 min
